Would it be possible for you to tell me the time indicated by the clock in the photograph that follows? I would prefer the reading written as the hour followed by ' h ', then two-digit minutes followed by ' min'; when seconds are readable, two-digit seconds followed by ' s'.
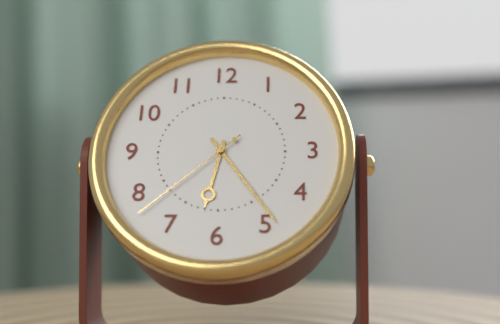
6 h 24 min 38 s
